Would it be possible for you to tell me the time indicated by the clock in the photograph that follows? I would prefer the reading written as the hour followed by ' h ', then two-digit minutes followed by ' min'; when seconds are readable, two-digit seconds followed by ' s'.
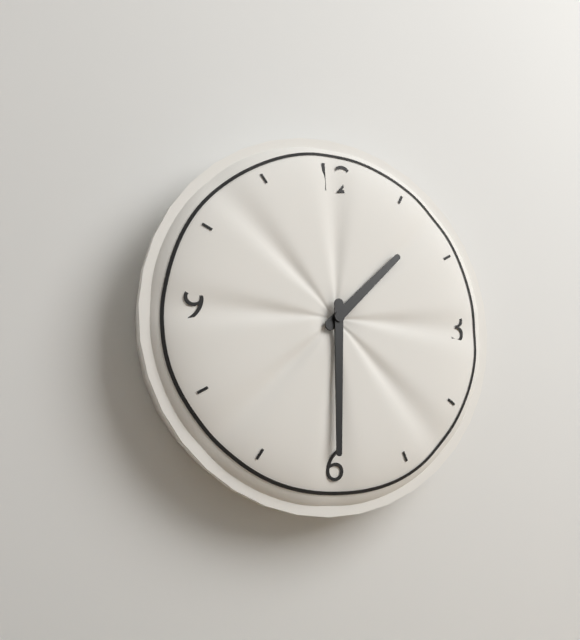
1 h 30 min
